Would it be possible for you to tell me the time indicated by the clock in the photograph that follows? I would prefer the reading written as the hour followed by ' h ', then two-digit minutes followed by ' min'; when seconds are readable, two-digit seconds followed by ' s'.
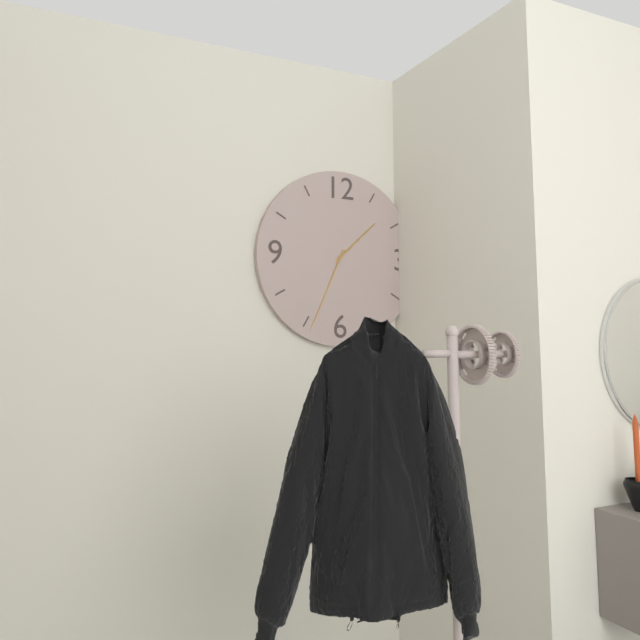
1 h 34 min
